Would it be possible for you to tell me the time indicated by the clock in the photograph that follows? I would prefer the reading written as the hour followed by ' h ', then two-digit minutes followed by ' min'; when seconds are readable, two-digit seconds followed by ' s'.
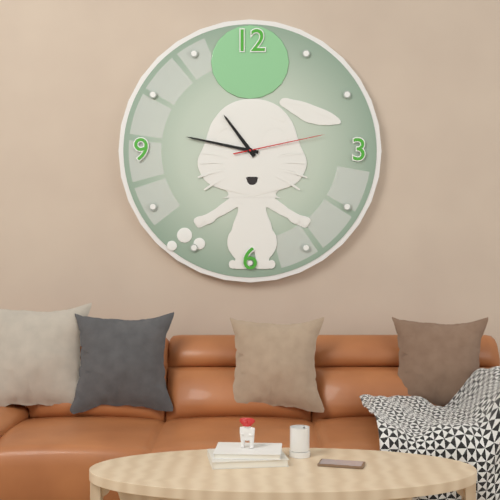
10 h 47 min 13 s
